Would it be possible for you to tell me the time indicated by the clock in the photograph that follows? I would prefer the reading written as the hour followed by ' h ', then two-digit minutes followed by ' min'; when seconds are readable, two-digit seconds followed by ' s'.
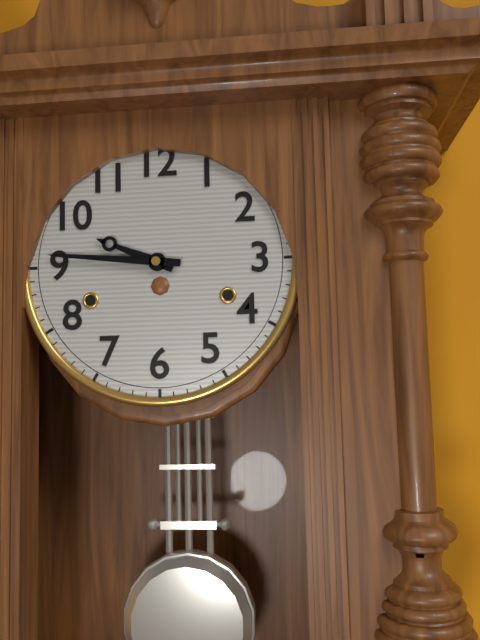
9 h 46 min
